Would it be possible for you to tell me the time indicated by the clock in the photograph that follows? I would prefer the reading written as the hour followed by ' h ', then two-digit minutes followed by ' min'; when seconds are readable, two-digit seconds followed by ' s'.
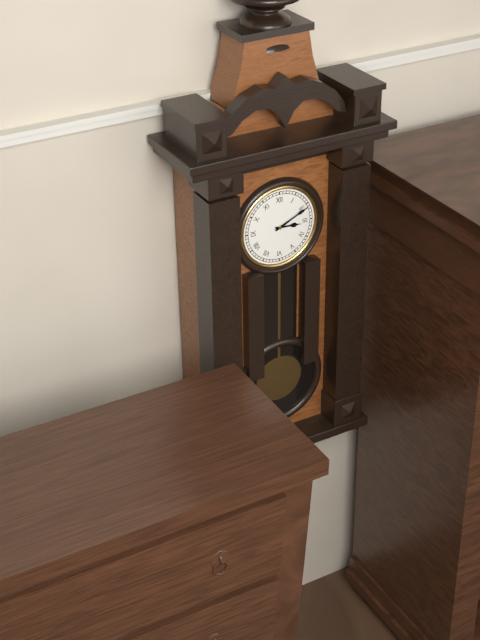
3 h 11 min
